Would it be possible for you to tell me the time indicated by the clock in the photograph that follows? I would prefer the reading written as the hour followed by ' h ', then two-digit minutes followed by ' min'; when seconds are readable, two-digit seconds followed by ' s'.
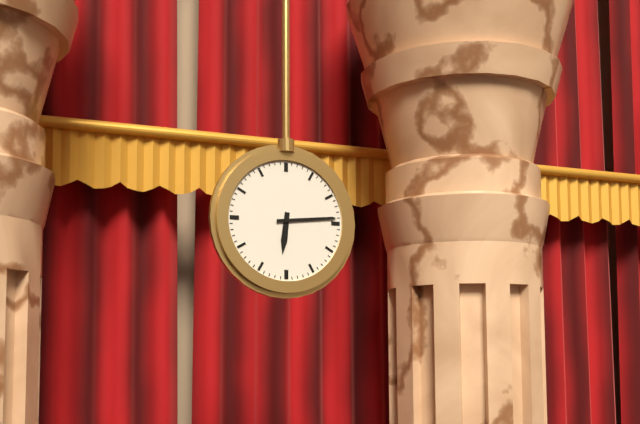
6 h 14 min
